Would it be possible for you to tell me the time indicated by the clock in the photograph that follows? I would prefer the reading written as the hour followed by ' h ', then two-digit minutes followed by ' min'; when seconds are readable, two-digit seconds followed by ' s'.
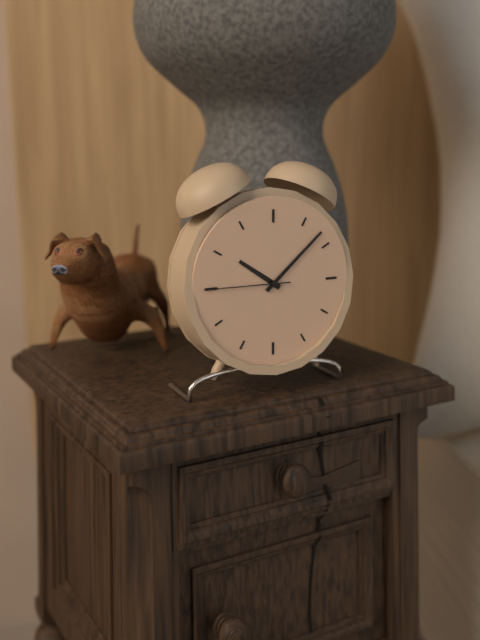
10 h 08 min 45 s
